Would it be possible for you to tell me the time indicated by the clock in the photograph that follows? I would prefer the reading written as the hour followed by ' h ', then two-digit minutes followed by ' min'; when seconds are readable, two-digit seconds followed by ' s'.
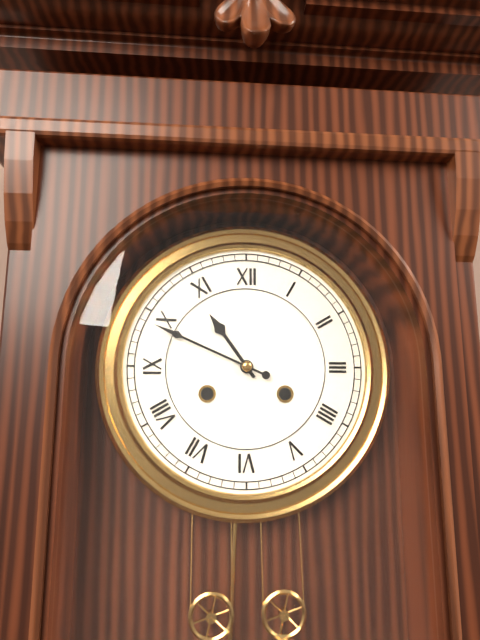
10 h 49 min
